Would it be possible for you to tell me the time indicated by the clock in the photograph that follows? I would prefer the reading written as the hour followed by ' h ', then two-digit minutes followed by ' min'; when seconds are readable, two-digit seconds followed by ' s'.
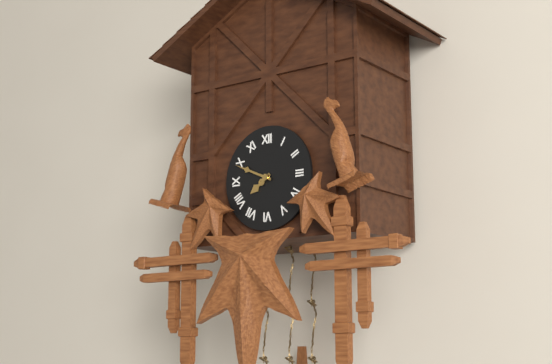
7 h 49 min
